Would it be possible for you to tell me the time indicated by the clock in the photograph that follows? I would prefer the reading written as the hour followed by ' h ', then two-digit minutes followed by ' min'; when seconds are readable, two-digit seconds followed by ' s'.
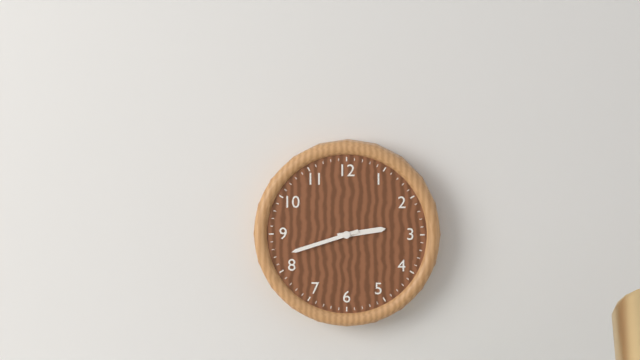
2 h 42 min
